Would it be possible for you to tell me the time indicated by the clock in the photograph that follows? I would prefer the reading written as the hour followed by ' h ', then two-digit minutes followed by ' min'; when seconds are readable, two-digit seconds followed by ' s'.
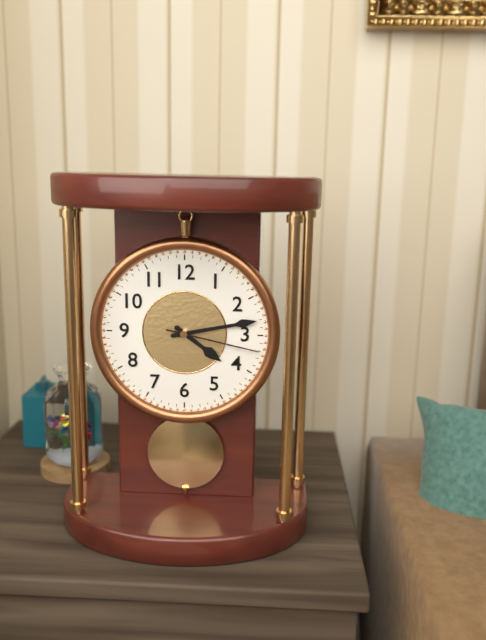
4 h 13 min 17 s
